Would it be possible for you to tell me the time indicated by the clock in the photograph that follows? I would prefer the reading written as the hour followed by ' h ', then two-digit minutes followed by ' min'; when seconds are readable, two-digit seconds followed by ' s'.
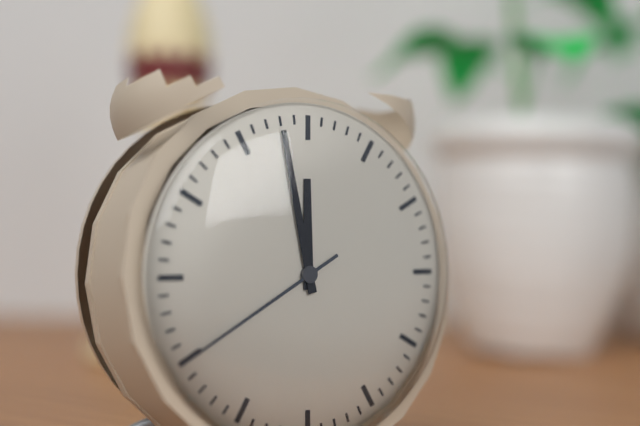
11 h 58 min 40 s
